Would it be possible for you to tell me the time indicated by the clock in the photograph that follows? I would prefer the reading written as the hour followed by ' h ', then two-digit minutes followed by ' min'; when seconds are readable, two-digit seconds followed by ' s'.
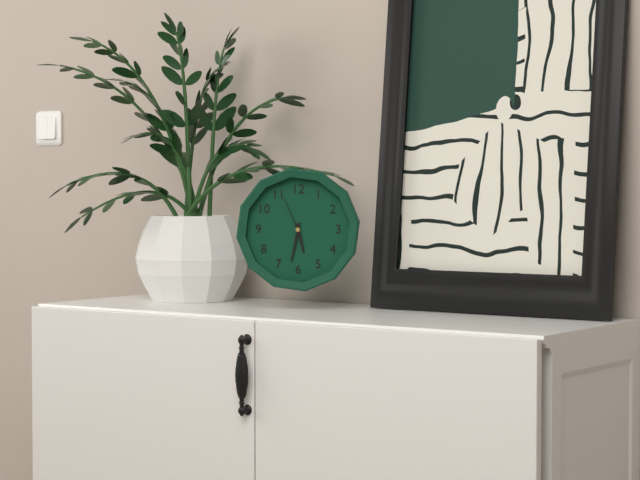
5 h 32 min
